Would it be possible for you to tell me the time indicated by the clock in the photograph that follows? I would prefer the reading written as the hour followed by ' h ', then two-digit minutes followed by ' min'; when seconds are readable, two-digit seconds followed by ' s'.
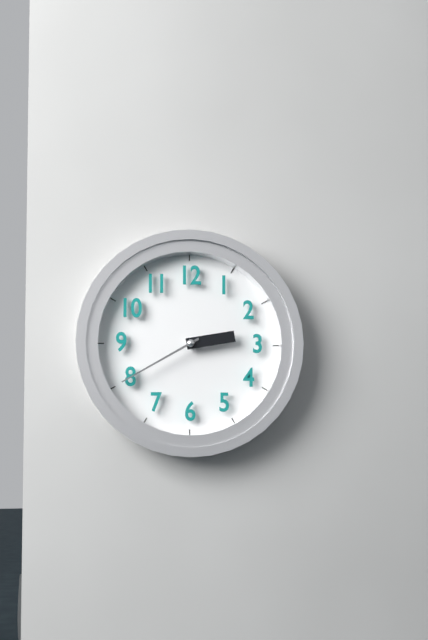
2 h 40 min
